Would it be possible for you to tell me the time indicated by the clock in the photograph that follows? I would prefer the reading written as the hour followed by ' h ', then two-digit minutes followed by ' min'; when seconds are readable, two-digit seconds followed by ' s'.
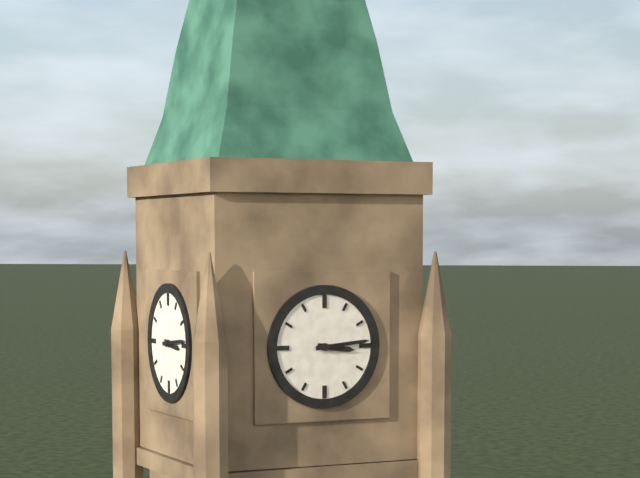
3 h 14 min
